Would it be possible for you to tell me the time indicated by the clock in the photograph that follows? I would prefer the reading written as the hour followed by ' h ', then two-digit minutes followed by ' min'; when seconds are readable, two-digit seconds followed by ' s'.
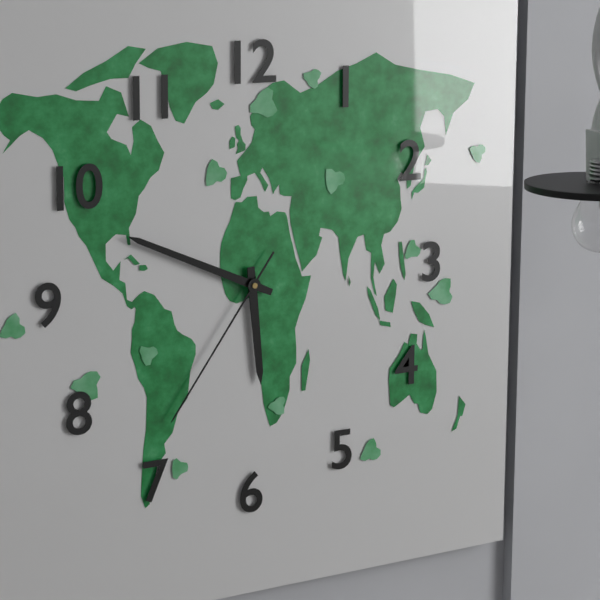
5 h 49 min 36 s
